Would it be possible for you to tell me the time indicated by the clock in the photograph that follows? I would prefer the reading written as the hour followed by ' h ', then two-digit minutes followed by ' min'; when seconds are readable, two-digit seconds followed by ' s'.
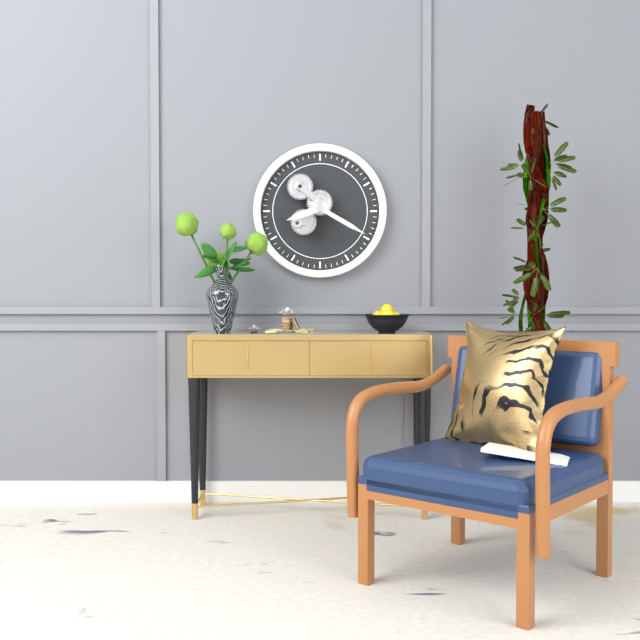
8 h 20 min
